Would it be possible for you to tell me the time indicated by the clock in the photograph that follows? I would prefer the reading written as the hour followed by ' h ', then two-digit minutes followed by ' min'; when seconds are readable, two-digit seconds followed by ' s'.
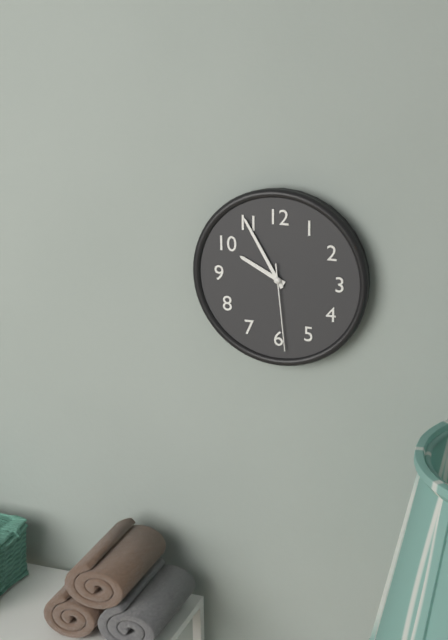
9 h 55 min 29 s
